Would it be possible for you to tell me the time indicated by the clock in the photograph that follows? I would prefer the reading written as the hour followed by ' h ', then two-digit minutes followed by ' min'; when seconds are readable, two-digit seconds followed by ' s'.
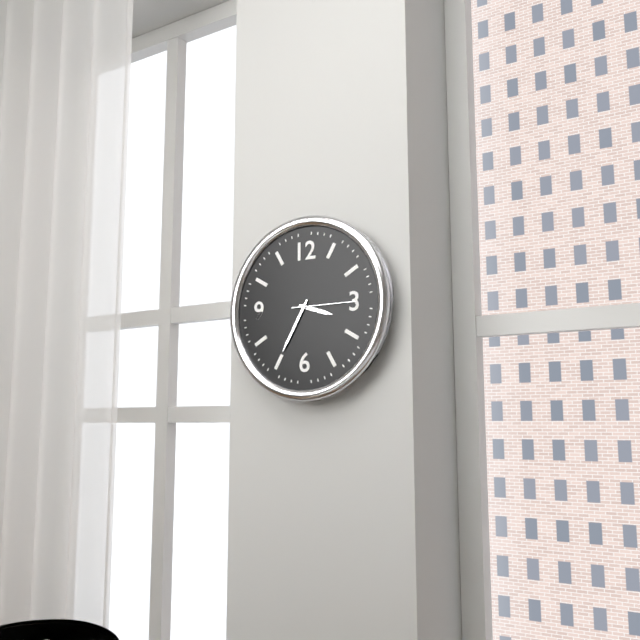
3 h 35 min 15 s
